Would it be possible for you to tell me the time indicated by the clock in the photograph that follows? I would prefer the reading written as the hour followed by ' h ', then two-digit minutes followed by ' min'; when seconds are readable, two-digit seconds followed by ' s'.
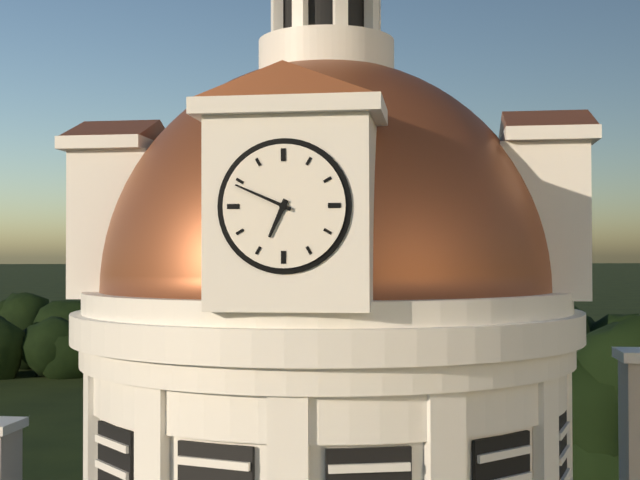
6 h 49 min
